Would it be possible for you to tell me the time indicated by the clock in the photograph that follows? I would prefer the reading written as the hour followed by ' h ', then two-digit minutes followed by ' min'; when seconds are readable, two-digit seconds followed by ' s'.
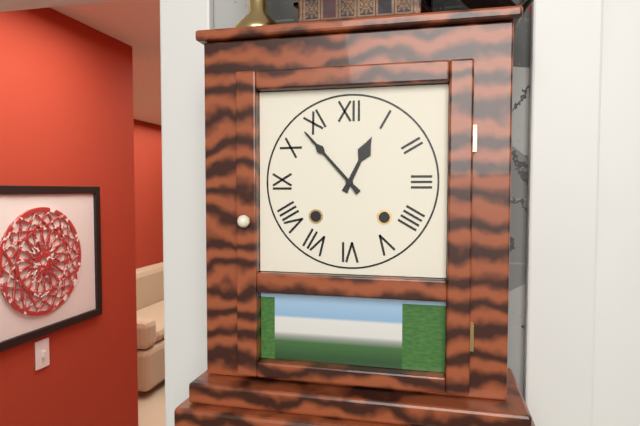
12 h 53 min
